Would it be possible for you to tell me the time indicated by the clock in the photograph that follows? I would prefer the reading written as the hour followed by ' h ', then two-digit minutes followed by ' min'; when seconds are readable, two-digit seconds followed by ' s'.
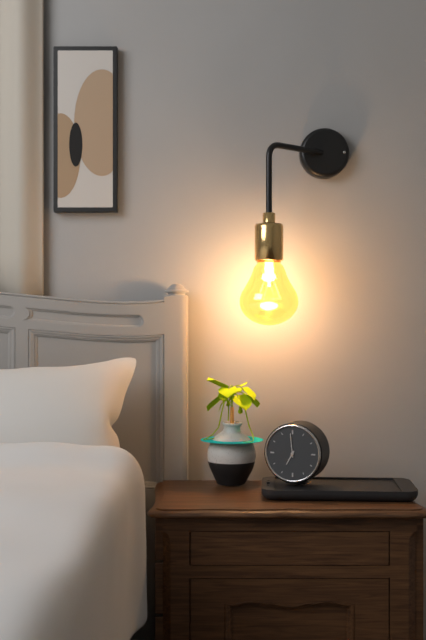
6 h 59 min
